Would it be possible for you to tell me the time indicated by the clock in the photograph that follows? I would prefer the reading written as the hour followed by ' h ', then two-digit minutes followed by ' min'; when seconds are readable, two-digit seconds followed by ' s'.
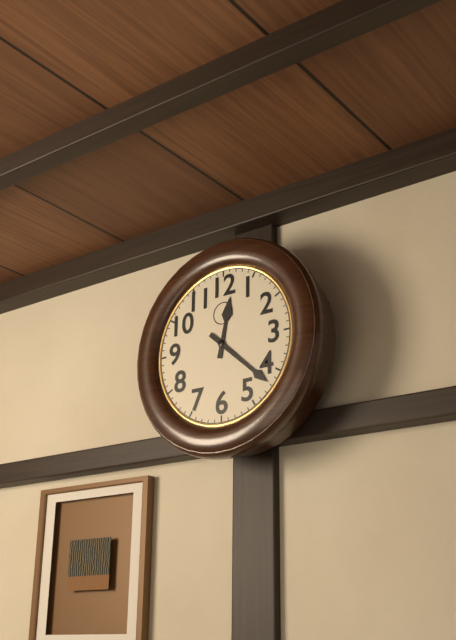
12 h 22 min
